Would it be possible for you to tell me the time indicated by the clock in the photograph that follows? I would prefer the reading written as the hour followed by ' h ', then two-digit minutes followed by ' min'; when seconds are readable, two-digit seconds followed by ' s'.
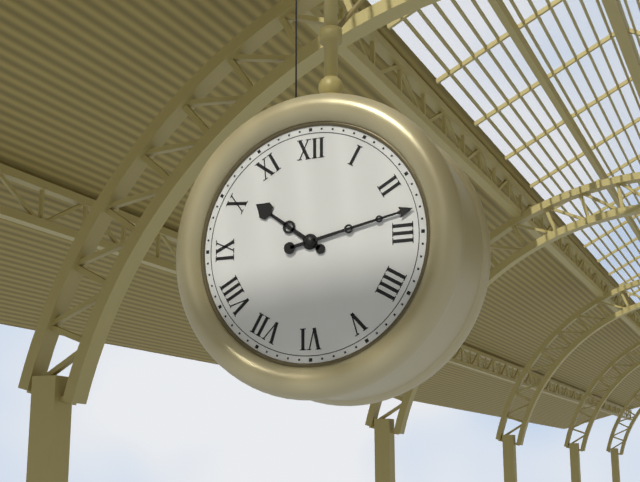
10 h 13 min
